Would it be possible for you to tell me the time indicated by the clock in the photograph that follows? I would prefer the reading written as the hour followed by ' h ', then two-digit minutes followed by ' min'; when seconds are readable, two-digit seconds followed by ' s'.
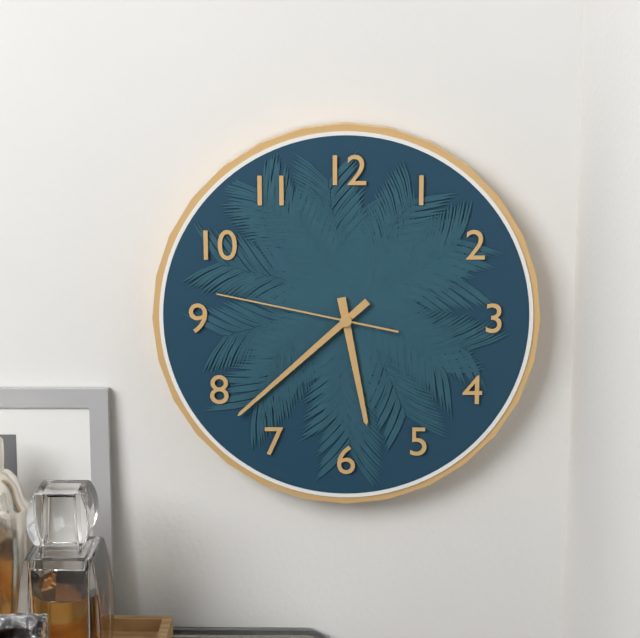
5 h 38 min 47 s
